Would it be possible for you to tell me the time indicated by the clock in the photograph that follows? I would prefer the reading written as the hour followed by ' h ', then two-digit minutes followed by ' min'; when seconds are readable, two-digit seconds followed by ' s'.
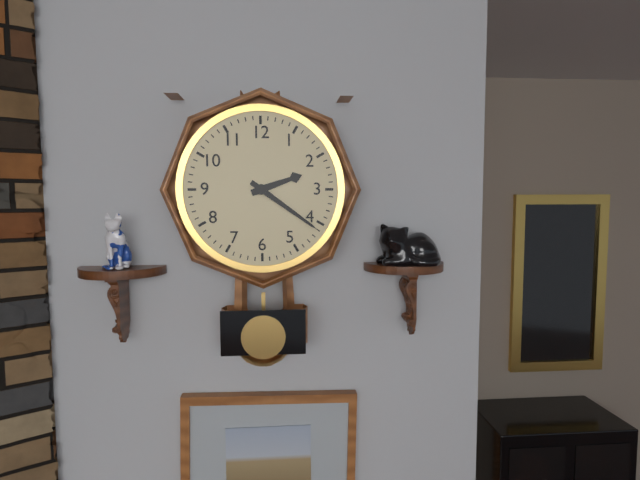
2 h 21 min
